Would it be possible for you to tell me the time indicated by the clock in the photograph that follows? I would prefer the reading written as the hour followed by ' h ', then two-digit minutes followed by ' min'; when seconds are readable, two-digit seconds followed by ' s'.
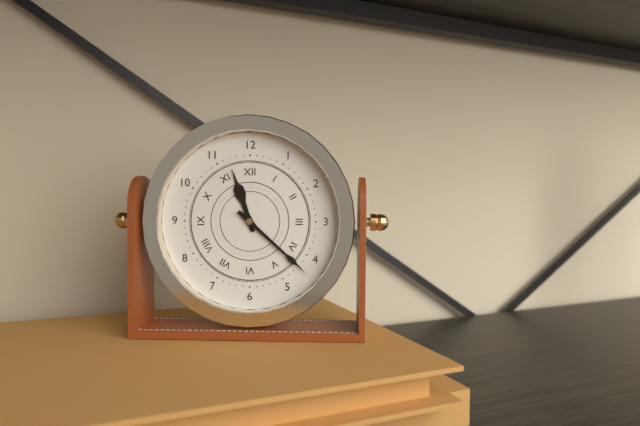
11 h 22 min
